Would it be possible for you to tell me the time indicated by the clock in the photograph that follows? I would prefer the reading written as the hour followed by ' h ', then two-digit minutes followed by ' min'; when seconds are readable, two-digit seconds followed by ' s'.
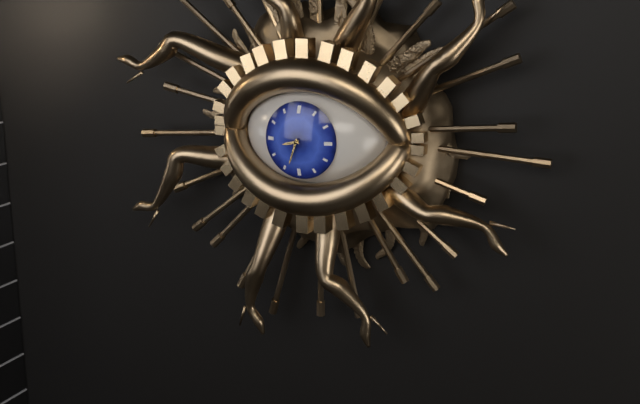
8 h 33 min
